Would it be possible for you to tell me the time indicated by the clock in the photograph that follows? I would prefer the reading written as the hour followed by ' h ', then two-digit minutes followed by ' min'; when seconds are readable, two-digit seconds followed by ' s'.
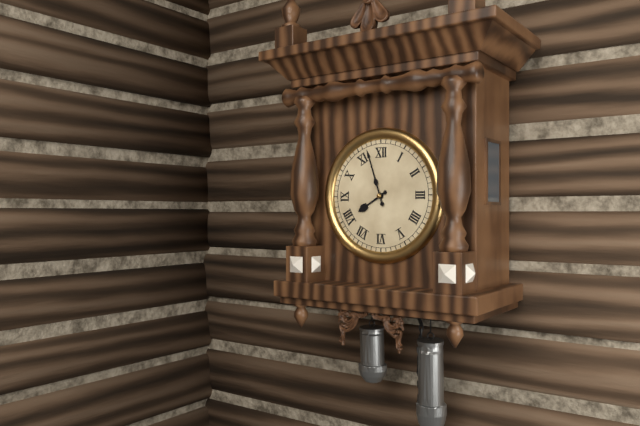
7 h 57 min
